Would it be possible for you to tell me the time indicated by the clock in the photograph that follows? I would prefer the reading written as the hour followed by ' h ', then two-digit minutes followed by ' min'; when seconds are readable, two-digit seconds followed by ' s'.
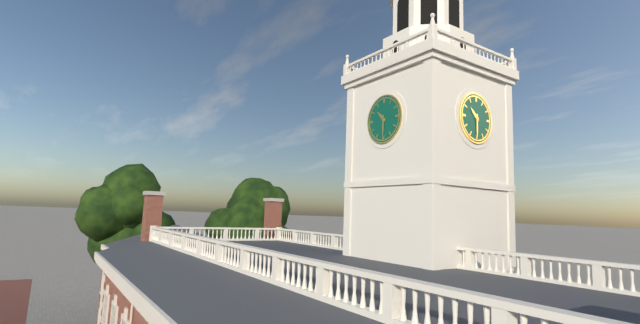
10 h 30 min
